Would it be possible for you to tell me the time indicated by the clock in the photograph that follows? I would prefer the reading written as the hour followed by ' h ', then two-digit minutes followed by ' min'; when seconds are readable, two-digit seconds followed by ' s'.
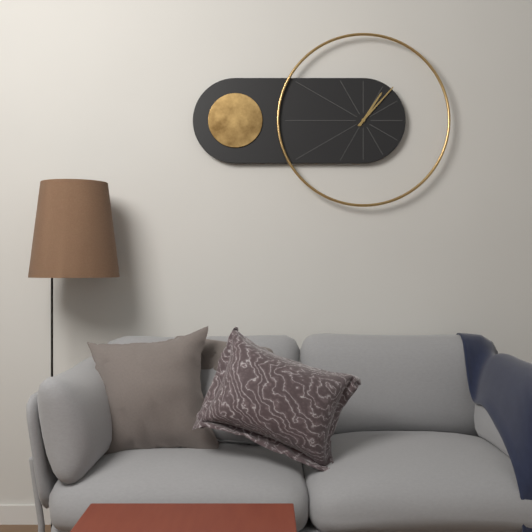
1 h 07 min
